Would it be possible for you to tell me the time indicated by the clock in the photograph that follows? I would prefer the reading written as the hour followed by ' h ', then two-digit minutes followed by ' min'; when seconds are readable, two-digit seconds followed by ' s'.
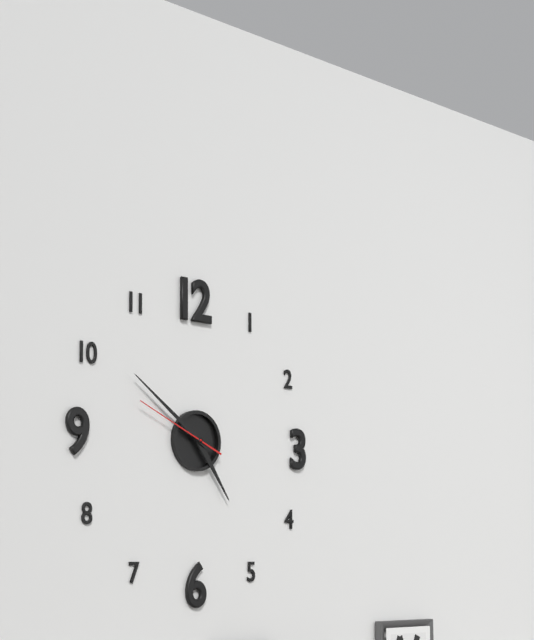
4 h 51 min 49 s
